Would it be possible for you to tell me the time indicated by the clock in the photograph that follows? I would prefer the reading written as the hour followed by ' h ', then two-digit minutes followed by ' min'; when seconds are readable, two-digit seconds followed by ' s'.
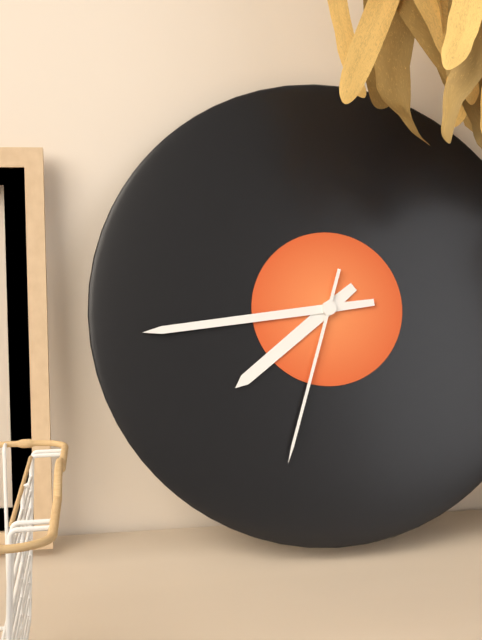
7 h 44 min 33 s
